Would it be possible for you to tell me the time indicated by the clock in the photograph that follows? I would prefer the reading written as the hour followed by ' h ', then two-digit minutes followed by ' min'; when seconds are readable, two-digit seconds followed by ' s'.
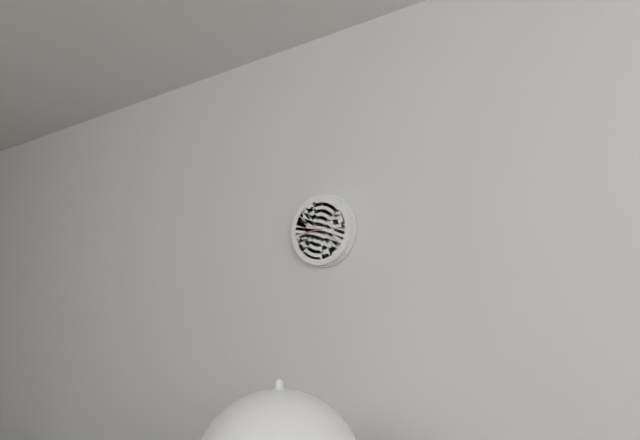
9 h 44 min
